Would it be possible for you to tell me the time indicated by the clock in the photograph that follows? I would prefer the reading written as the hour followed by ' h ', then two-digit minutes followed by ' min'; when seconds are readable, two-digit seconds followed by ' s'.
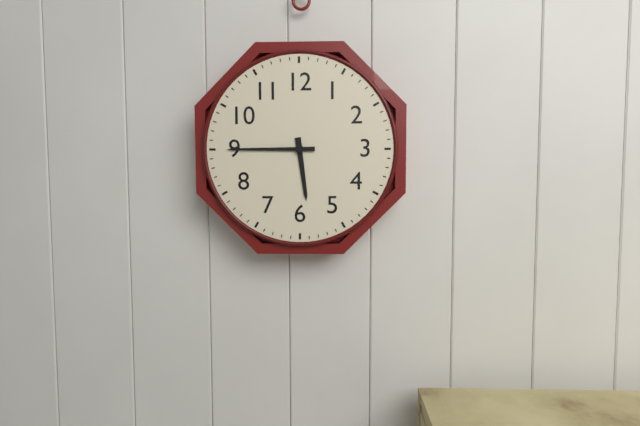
5 h 45 min
